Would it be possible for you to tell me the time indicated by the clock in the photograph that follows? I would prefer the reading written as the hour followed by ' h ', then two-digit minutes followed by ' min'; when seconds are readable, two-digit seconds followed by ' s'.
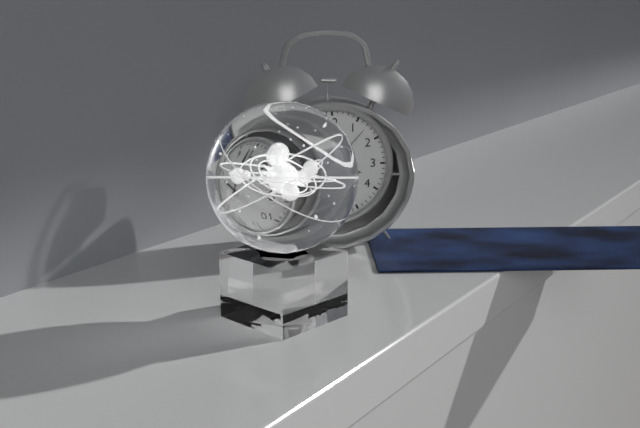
3 h 34 min 07 s
